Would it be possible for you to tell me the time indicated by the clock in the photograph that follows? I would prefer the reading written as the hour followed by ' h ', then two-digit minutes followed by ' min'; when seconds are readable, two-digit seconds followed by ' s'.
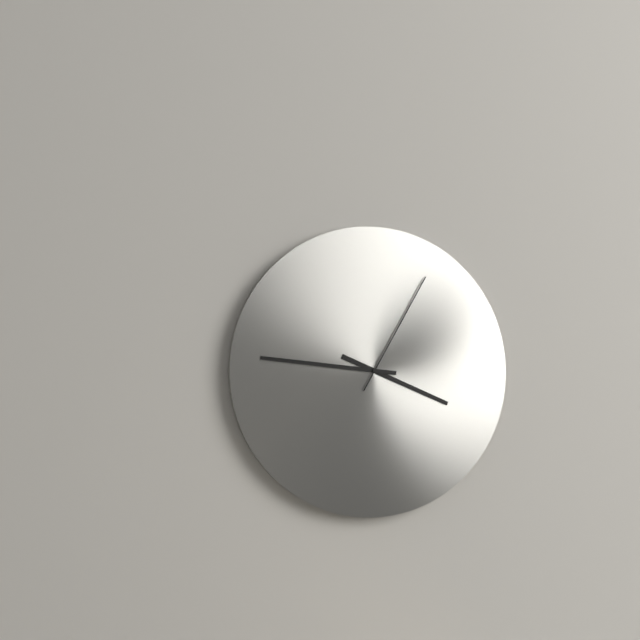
3 h 46 min 05 s
